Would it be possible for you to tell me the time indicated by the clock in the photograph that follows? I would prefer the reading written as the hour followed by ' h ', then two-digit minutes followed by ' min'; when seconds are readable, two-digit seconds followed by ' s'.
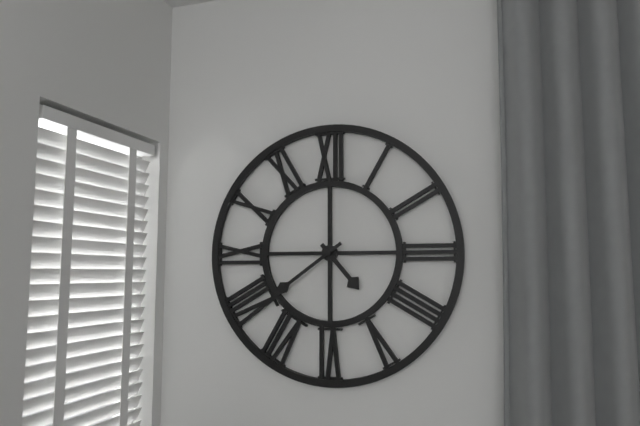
4 h 39 min
